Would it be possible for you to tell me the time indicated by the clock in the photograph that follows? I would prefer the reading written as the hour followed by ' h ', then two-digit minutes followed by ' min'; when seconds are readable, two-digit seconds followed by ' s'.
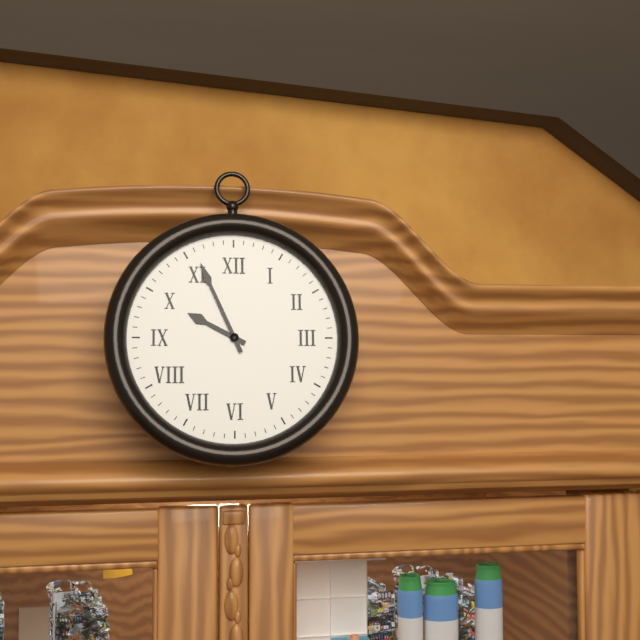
9 h 56 min
